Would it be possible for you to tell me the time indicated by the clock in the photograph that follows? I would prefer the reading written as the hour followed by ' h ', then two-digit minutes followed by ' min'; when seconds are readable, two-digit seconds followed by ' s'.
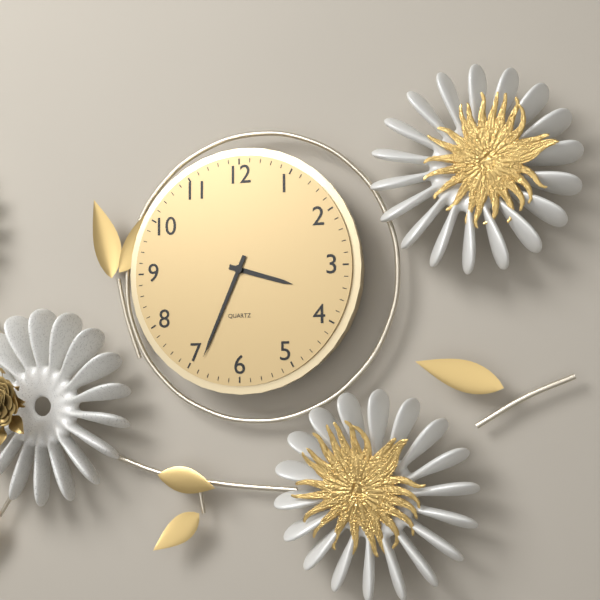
3 h 34 min
